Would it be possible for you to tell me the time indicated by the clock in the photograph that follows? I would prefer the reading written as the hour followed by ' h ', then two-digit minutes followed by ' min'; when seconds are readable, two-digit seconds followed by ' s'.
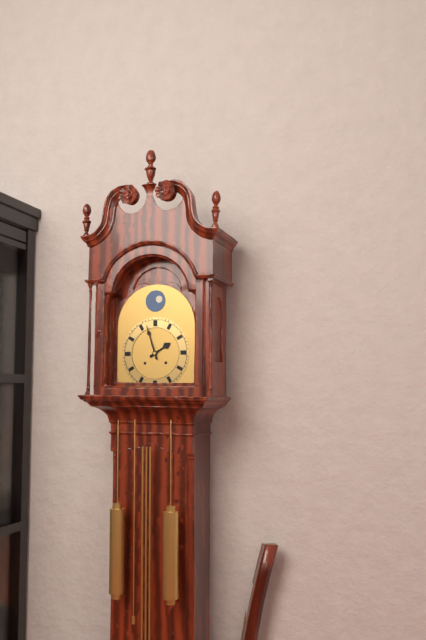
1 h 57 min
